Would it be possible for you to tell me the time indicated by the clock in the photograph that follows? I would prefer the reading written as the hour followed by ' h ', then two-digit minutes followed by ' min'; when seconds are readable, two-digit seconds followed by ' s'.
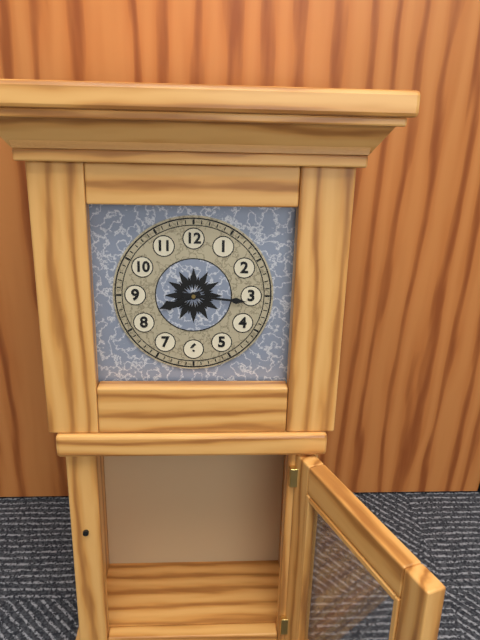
8 h 16 min
